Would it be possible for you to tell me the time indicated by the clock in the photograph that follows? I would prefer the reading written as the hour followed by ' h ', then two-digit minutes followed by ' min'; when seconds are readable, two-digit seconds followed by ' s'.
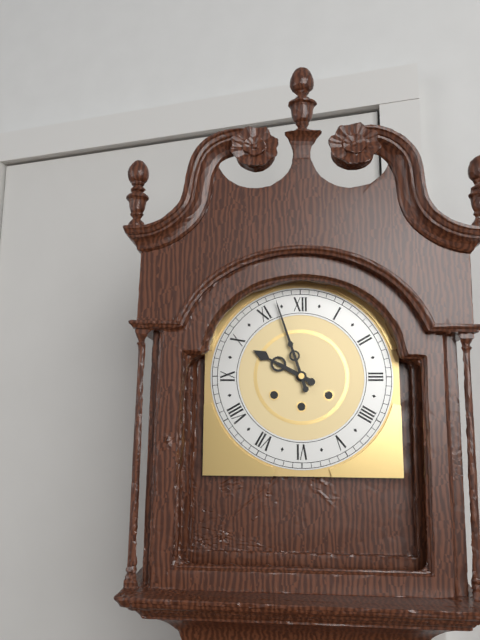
9 h 57 min
